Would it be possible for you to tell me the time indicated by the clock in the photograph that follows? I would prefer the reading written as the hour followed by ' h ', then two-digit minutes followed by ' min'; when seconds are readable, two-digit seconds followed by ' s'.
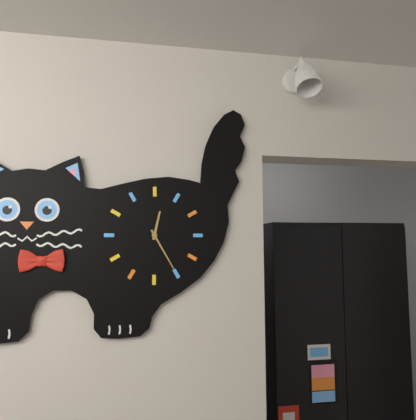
12 h 25 min
